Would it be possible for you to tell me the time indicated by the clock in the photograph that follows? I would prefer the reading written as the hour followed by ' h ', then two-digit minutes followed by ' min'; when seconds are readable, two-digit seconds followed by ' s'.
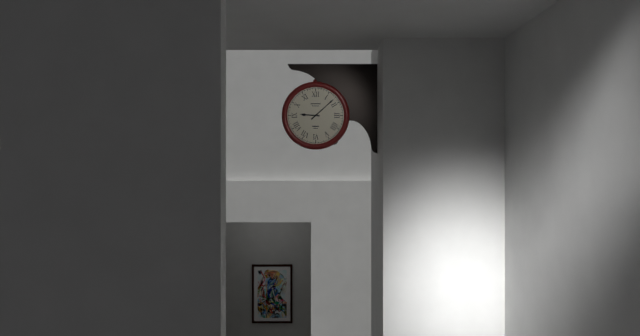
9 h 08 min
